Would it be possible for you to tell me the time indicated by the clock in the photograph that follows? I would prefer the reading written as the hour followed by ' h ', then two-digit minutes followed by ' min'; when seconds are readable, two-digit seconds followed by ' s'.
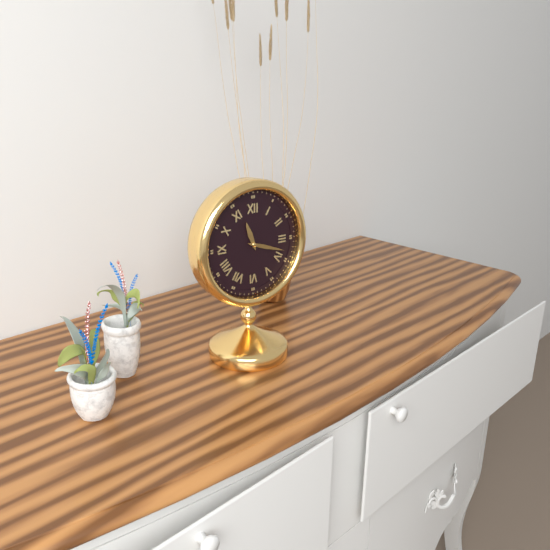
11 h 18 min
